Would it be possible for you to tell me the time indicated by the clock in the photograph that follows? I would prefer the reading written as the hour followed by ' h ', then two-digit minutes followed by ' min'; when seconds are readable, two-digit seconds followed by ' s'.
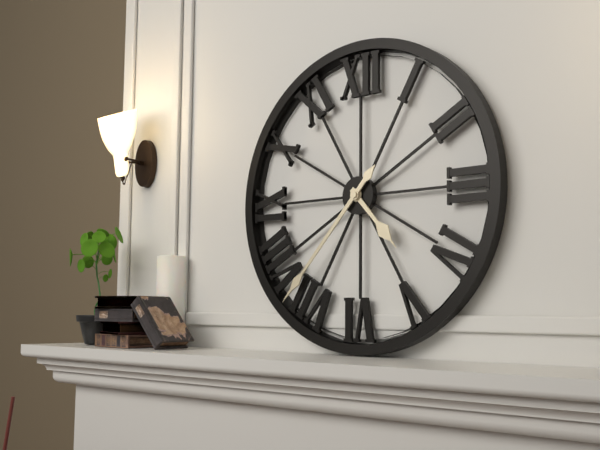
4 h 37 min
